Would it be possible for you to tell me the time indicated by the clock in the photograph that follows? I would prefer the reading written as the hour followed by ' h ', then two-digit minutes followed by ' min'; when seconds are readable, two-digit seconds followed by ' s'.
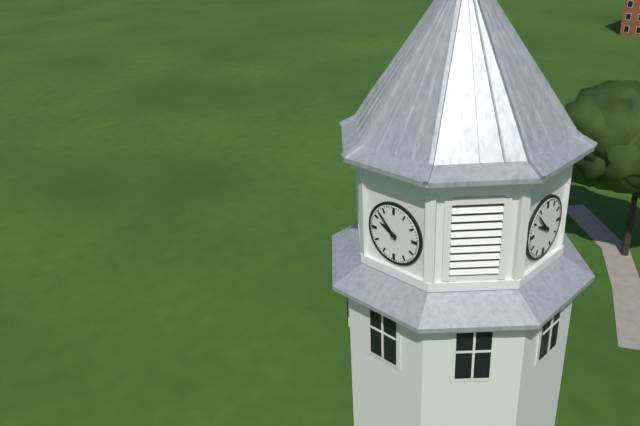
9 h 53 min
